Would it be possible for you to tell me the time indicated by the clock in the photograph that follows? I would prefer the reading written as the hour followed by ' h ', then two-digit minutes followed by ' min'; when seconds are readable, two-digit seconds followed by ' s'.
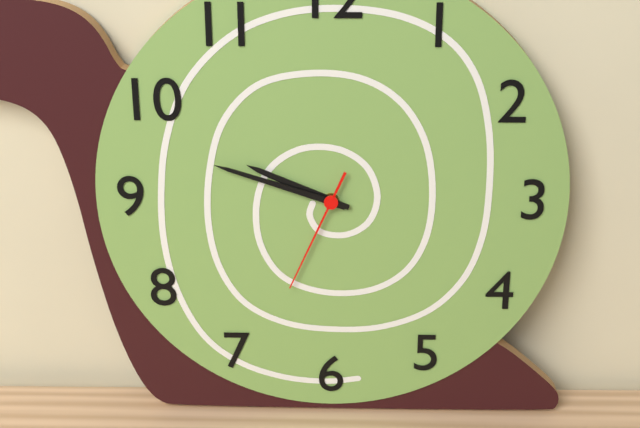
9 h 48 min 34 s
